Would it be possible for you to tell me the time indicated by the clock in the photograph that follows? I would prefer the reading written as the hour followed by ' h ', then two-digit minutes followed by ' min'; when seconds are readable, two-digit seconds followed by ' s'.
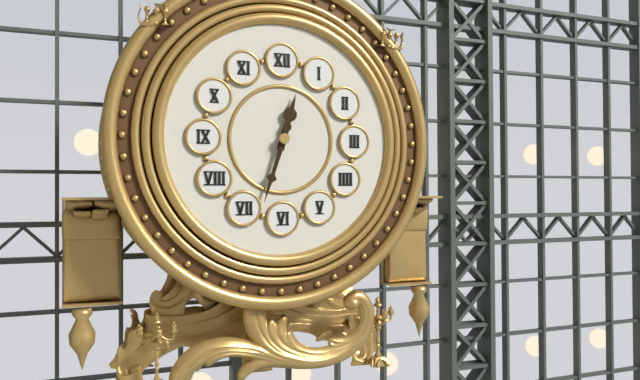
12 h 33 min
